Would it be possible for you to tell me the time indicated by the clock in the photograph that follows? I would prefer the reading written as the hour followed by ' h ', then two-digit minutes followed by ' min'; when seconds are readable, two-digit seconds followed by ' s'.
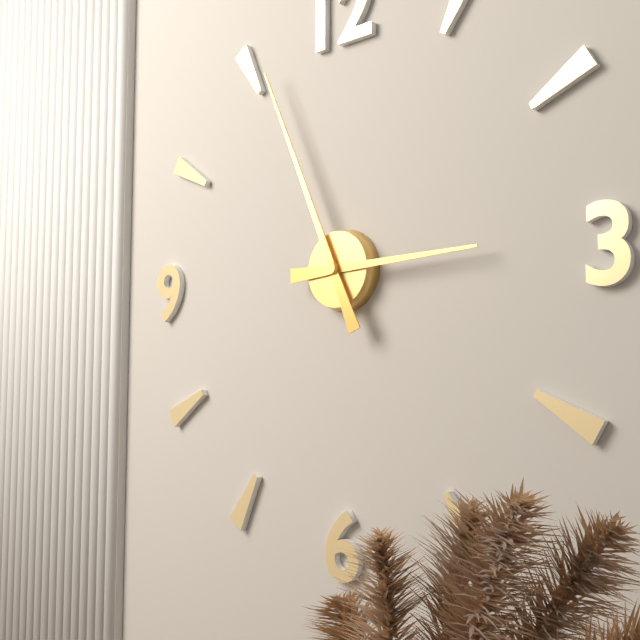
2 h 56 min
